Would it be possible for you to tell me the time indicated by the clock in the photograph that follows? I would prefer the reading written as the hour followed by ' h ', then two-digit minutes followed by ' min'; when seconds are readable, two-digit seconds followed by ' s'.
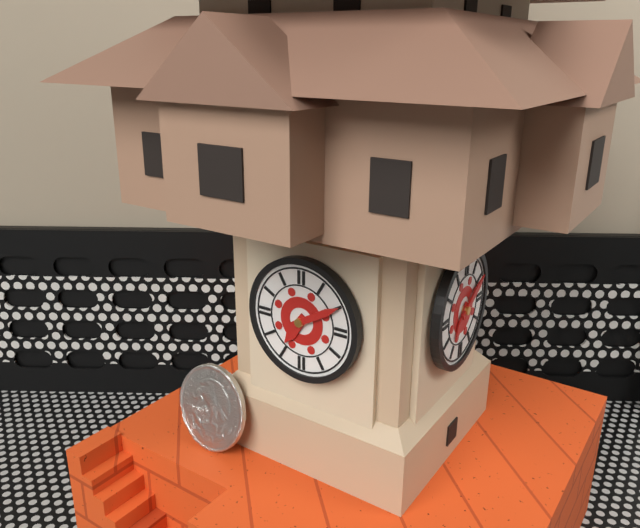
7 h 10 min
